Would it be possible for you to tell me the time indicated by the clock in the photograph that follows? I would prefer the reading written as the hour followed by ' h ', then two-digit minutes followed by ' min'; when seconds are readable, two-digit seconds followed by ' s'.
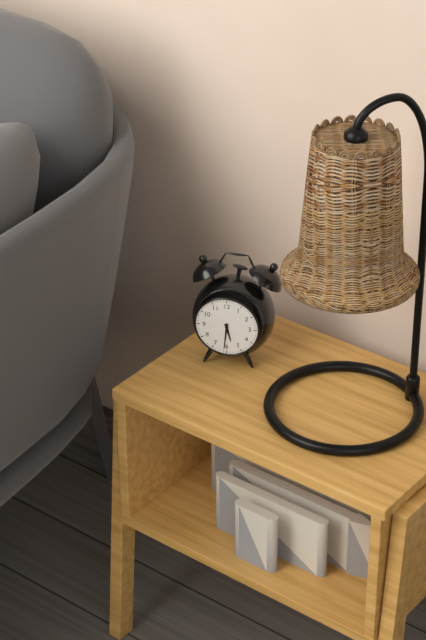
5 h 31 min
